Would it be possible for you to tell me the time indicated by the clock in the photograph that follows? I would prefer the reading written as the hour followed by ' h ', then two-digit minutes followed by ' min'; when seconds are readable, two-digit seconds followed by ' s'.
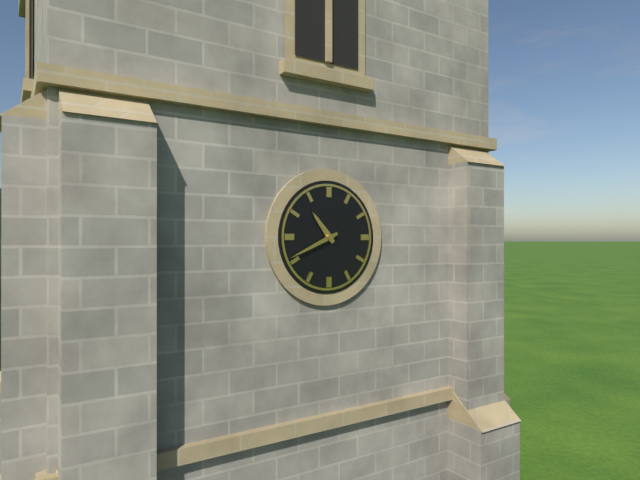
10 h 41 min
